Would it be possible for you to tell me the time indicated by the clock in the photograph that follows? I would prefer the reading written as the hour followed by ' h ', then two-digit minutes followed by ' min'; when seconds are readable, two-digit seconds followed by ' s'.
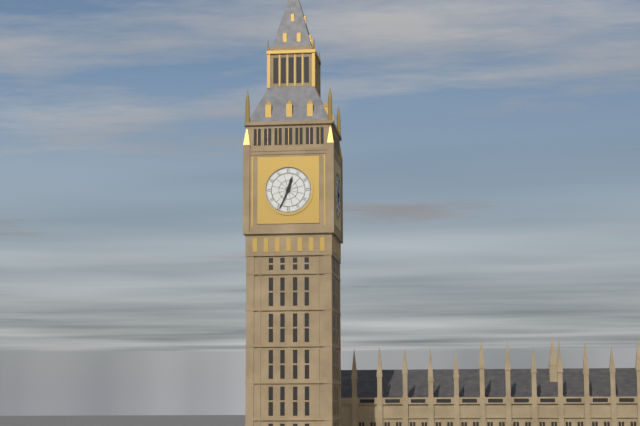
12 h 34 min
